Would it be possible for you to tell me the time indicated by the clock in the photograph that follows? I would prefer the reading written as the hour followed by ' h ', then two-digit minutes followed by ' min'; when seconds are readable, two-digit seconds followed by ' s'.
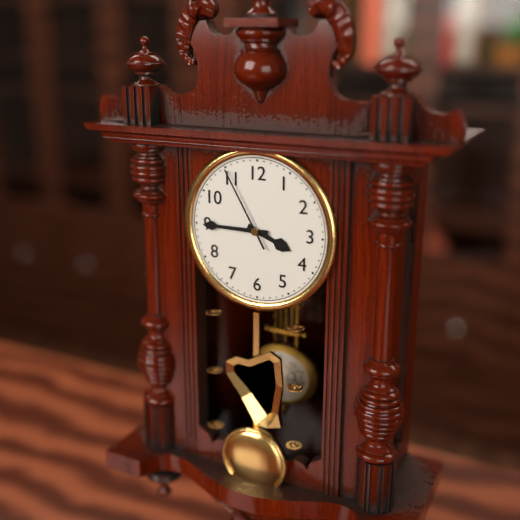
3 h 45 min 55 s
